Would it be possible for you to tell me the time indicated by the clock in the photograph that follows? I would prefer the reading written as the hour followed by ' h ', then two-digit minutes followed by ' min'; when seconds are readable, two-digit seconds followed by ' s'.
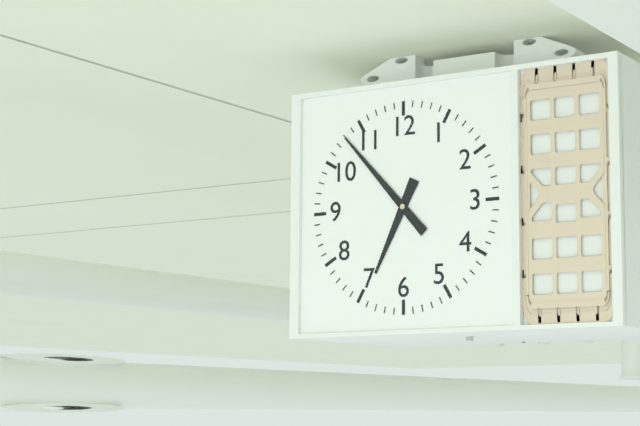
6 h 53 min
